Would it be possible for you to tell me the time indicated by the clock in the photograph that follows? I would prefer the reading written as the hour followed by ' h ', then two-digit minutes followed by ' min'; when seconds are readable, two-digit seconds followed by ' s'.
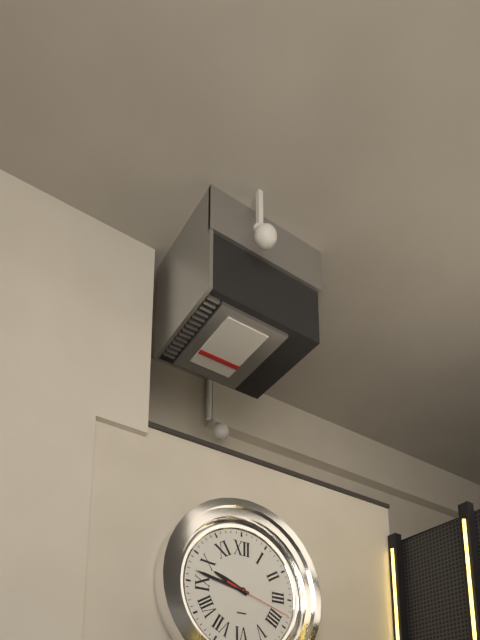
9 h 47 min 18 s
